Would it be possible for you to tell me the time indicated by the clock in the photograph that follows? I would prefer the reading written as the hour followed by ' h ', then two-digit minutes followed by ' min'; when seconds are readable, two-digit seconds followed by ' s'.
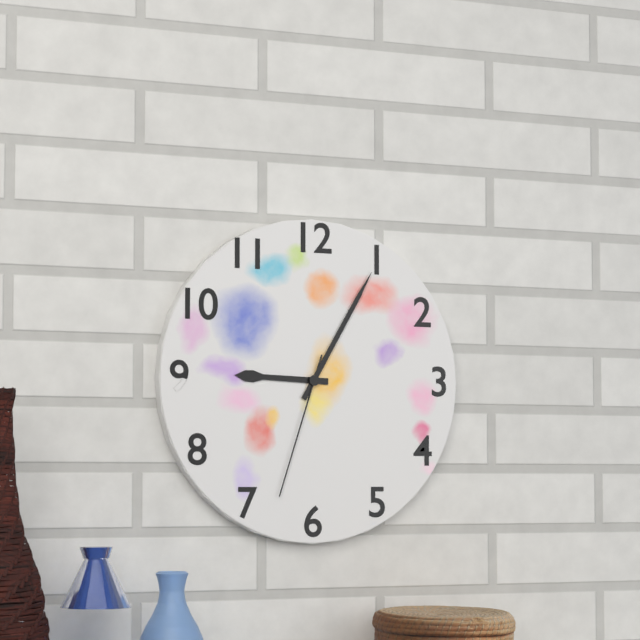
9 h 05 min 33 s
